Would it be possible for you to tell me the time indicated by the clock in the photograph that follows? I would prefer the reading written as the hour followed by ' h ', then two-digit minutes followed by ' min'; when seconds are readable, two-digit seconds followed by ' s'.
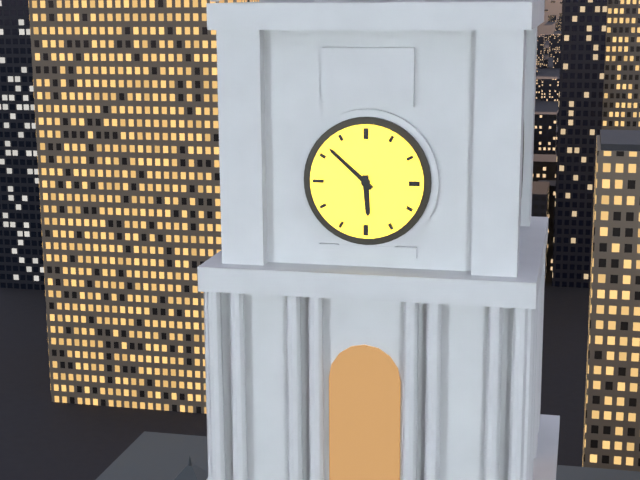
5 h 52 min
